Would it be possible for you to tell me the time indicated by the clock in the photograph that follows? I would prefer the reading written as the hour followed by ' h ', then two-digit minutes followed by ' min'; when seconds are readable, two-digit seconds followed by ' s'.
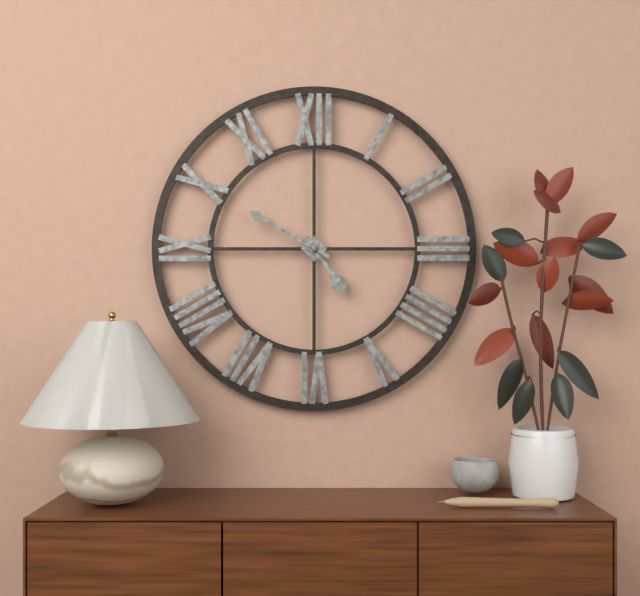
4 h 50 min
